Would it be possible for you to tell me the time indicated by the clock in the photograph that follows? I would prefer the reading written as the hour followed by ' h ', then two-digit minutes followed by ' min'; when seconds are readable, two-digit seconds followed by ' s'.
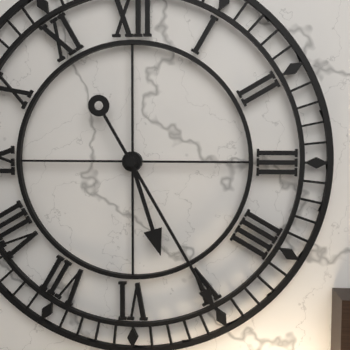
5 h 25 min
